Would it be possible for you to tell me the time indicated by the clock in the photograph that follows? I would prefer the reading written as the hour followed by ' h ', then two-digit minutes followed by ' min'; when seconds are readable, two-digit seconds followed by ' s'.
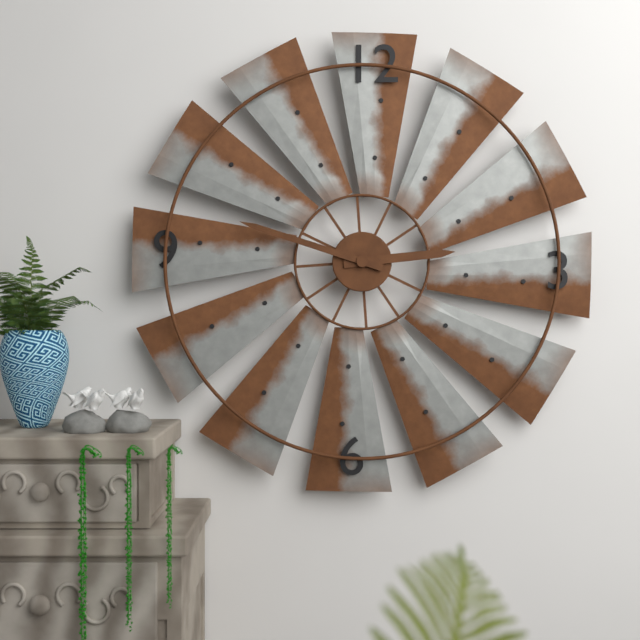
2 h 48 min
